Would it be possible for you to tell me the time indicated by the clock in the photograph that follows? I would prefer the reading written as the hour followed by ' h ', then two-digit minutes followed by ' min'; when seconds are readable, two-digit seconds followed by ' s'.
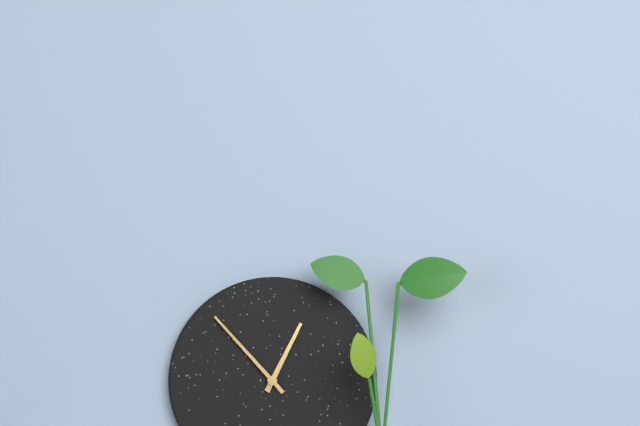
12 h 53 min
